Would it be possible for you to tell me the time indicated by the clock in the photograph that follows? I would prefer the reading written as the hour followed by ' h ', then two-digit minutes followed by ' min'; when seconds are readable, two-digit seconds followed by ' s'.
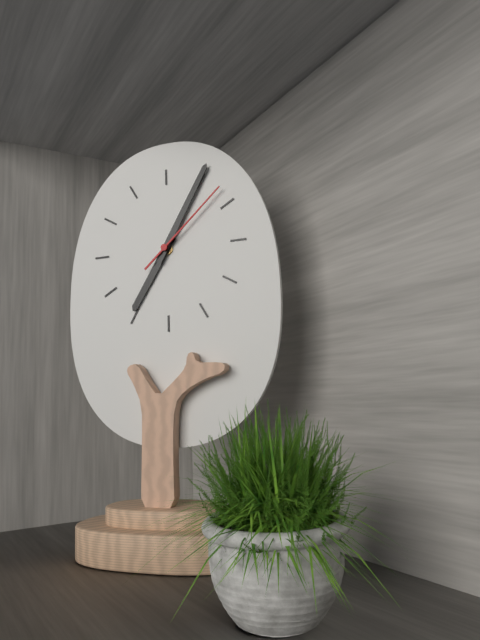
7 h 05 min 08 s
